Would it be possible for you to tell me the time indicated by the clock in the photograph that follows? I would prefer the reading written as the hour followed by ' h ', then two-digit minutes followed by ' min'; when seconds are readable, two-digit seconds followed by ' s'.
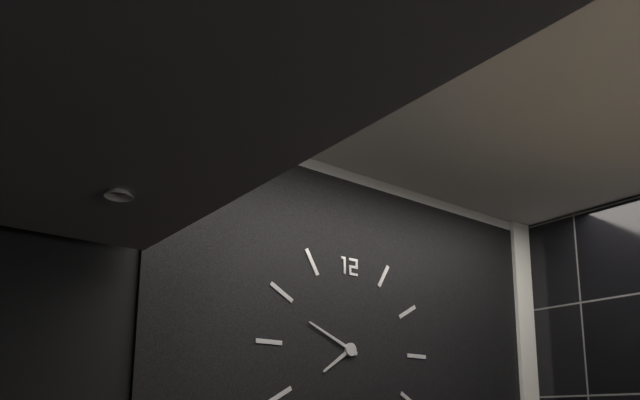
7 h 49 min
